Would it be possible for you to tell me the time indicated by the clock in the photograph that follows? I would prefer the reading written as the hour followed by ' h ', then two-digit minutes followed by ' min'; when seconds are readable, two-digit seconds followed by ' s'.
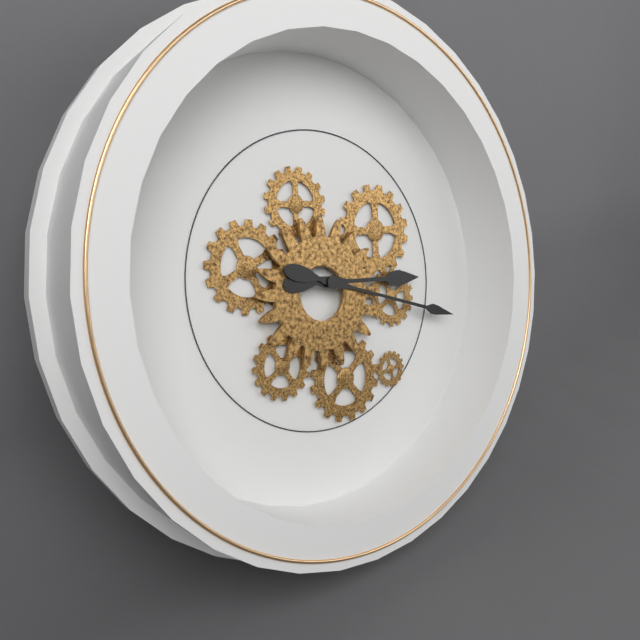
3 h 19 min
